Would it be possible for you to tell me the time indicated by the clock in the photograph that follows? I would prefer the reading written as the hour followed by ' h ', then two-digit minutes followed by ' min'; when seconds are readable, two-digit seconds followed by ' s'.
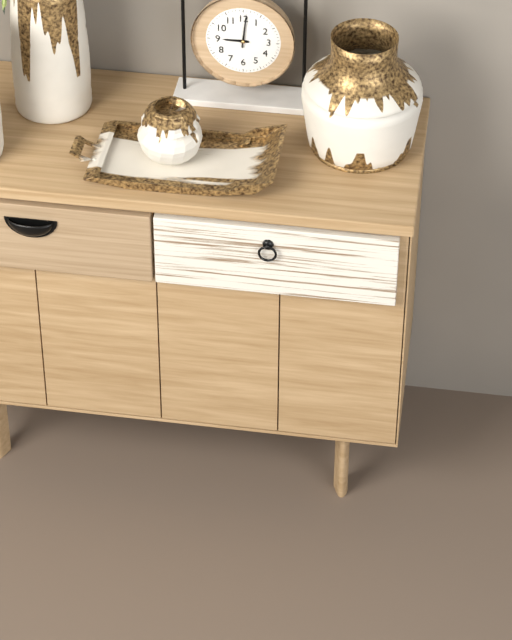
9 h 01 min
